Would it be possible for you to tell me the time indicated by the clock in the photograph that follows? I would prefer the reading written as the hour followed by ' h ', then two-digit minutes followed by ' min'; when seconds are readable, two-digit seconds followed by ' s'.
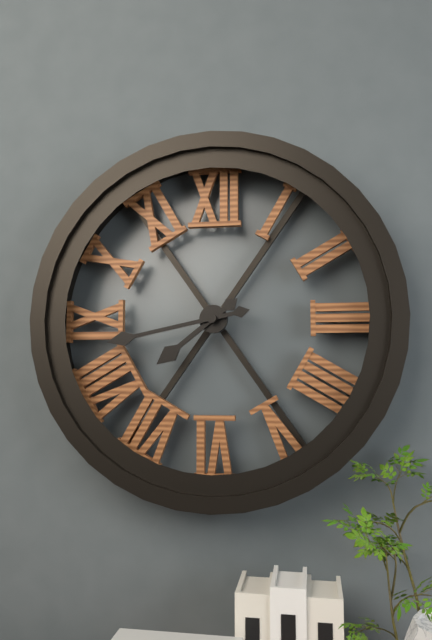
7 h 43 min
